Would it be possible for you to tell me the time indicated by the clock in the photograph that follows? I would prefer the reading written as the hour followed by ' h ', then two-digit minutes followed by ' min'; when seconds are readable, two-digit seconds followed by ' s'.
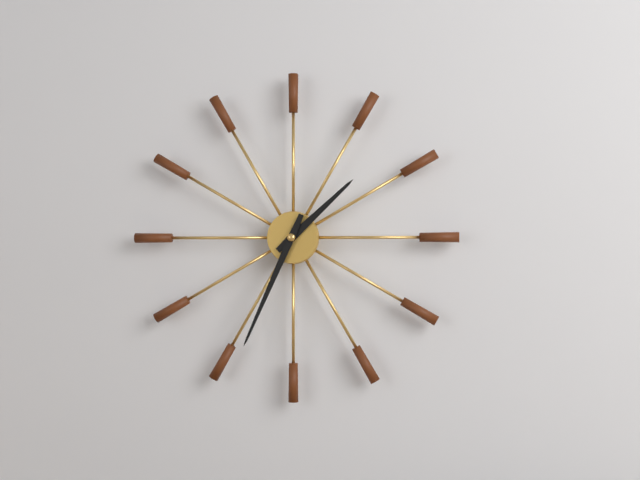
1 h 34 min
